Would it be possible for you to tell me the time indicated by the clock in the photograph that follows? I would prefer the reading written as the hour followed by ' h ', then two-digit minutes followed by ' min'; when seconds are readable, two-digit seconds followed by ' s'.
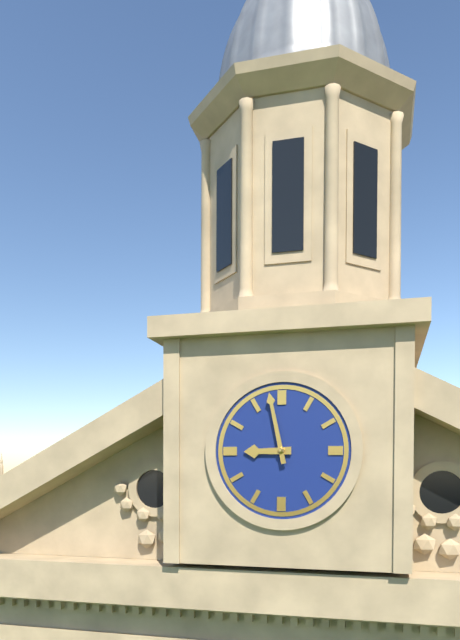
8 h 58 min
